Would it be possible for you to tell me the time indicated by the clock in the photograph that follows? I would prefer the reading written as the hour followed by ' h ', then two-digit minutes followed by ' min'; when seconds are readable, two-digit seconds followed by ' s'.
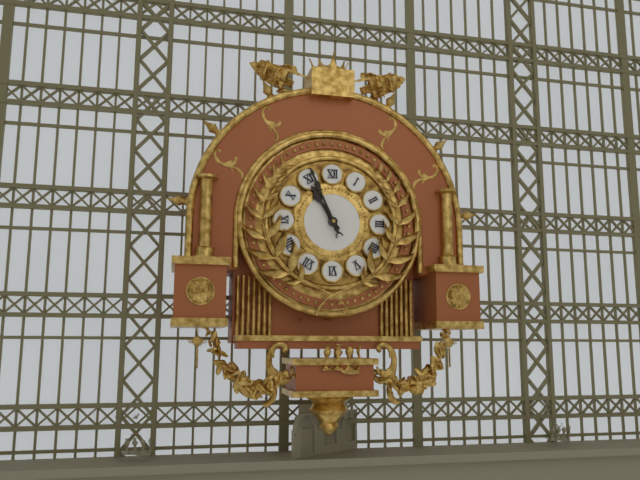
10 h 56 min
